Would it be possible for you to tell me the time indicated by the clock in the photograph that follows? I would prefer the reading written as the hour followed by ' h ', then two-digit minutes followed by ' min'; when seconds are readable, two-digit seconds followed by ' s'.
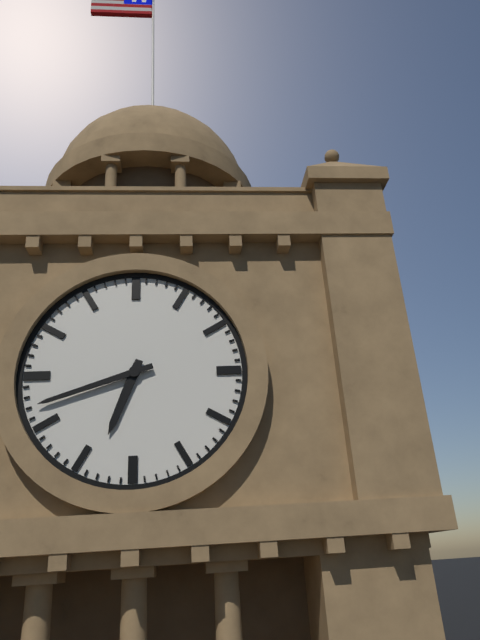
6 h 42 min
